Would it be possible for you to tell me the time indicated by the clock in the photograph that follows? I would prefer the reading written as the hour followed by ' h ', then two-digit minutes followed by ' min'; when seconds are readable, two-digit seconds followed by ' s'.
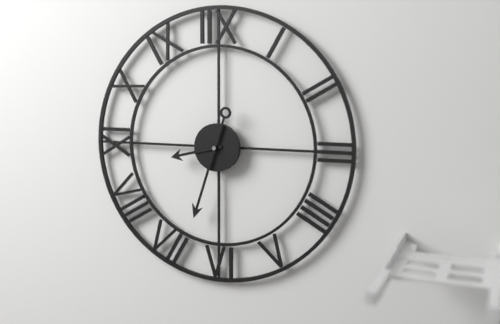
8 h 33 min
